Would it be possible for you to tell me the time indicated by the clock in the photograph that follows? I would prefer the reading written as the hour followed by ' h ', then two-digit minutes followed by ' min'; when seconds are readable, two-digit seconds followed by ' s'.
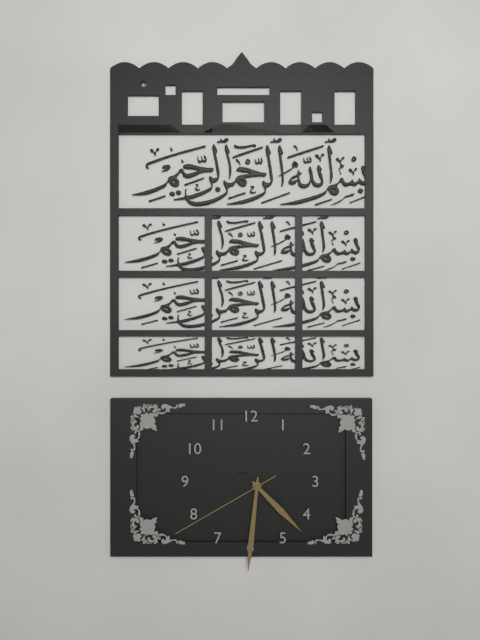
4 h 31 min 40 s
